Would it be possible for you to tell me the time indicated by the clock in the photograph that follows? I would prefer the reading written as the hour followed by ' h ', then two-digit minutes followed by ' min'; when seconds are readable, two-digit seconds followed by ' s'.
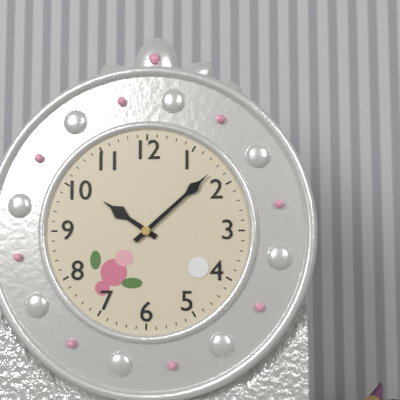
10 h 08 min
